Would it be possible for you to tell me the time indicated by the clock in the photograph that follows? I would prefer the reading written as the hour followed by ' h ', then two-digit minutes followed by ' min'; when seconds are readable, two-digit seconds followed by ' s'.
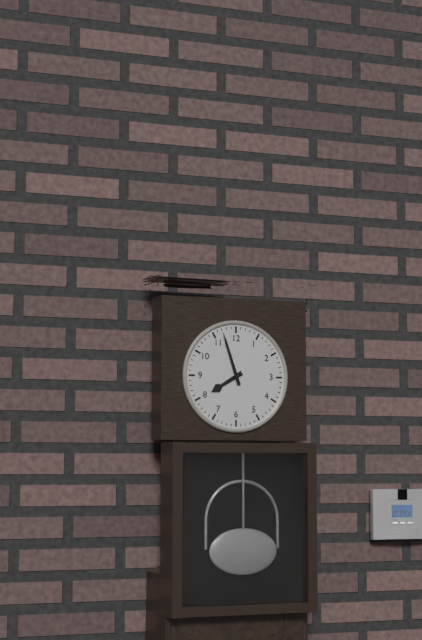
7 h 57 min
